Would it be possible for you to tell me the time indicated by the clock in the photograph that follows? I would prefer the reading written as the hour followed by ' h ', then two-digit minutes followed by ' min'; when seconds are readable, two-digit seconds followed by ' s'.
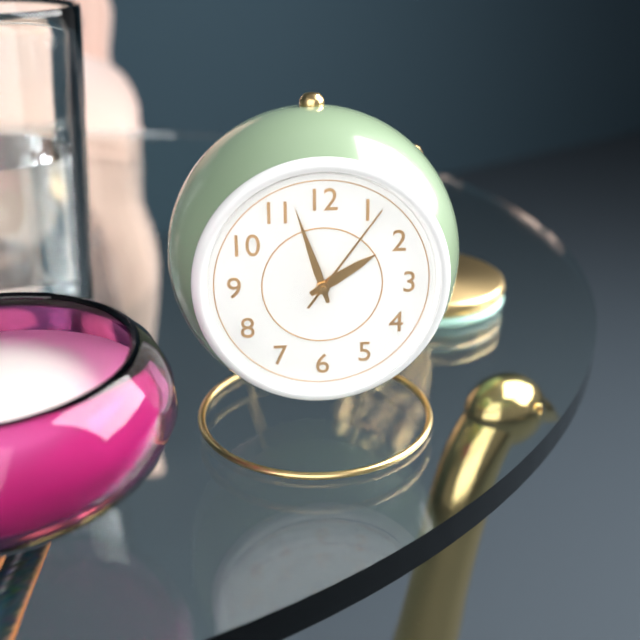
1 h 57 min 06 s
